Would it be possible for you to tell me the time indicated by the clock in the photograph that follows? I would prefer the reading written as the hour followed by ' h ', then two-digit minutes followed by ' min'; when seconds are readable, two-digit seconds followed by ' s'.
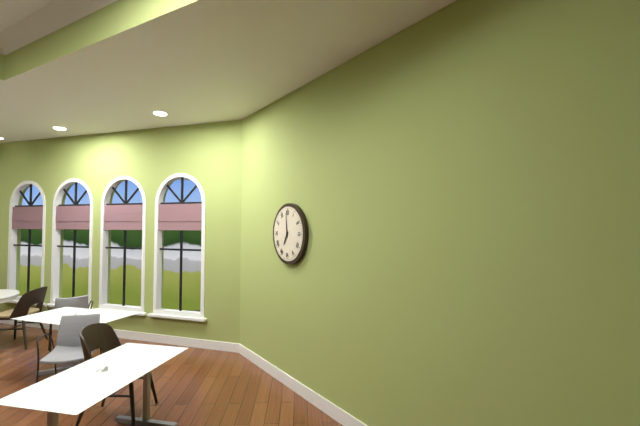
6 h 59 min
